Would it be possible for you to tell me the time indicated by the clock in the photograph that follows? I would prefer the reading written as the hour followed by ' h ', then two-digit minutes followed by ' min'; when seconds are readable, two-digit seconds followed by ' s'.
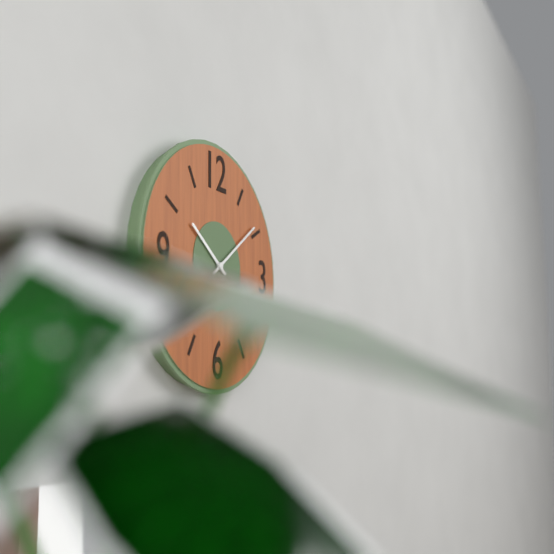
10 h 09 min
